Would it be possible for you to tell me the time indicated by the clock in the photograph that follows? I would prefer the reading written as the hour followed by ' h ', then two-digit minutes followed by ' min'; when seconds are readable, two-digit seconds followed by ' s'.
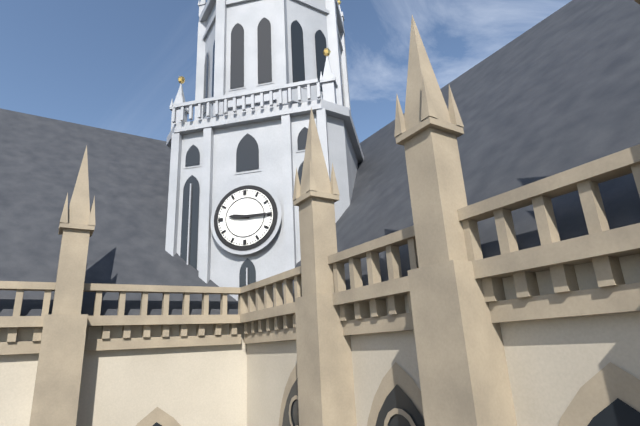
9 h 15 min
